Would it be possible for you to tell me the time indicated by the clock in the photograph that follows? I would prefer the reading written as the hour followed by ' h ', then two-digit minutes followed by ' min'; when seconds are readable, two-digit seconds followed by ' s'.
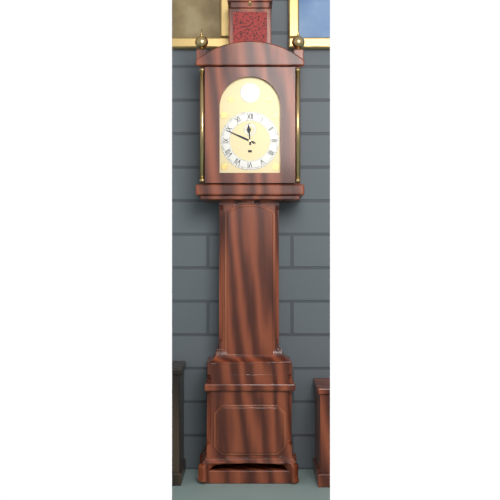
11 h 49 min
